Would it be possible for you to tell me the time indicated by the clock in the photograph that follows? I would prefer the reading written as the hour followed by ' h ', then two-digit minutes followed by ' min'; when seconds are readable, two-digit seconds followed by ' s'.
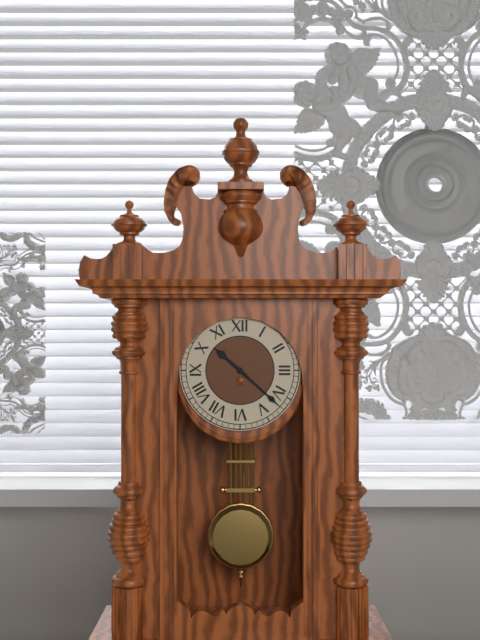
10 h 22 min
